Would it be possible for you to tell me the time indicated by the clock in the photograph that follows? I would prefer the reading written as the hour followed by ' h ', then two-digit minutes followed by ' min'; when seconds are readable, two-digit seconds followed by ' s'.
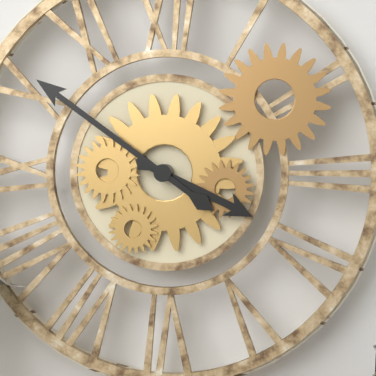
3 h 51 min
